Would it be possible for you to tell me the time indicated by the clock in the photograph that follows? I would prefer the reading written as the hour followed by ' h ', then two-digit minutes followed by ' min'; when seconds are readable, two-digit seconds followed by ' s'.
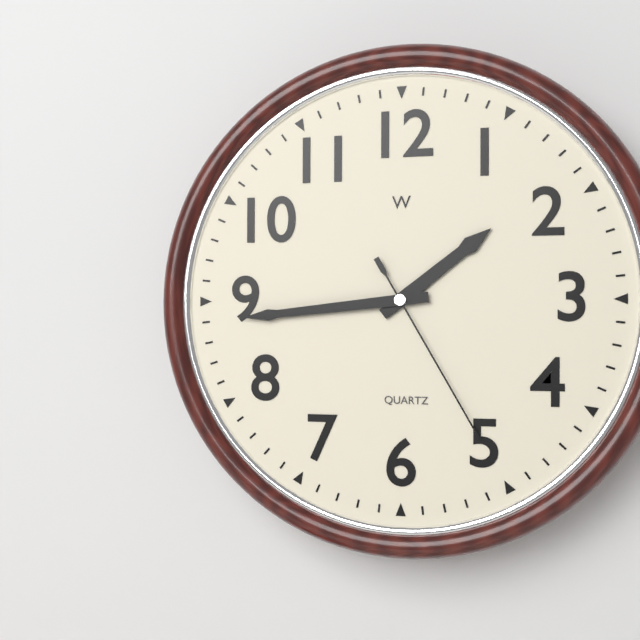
1 h 44 min 25 s
